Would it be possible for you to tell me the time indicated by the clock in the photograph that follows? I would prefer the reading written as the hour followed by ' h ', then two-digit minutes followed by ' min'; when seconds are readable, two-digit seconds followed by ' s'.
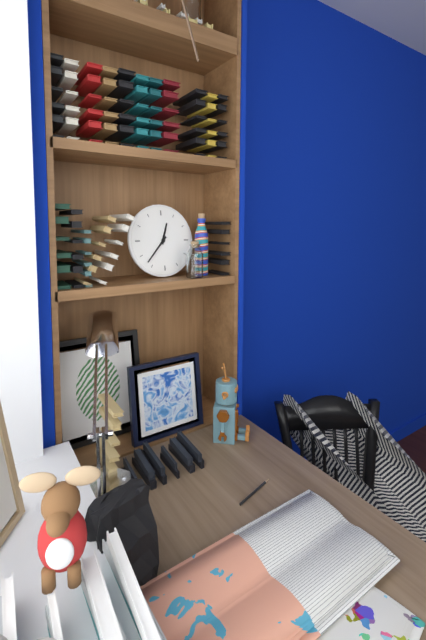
12 h 37 min
